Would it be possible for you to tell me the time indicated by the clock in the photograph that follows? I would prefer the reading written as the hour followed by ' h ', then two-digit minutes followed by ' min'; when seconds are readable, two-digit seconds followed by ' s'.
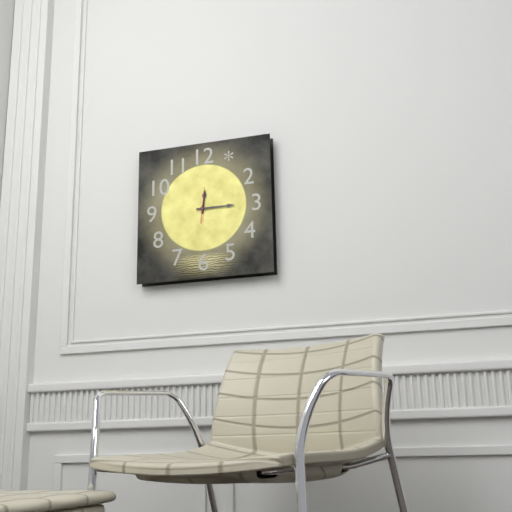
12 h 15 min
